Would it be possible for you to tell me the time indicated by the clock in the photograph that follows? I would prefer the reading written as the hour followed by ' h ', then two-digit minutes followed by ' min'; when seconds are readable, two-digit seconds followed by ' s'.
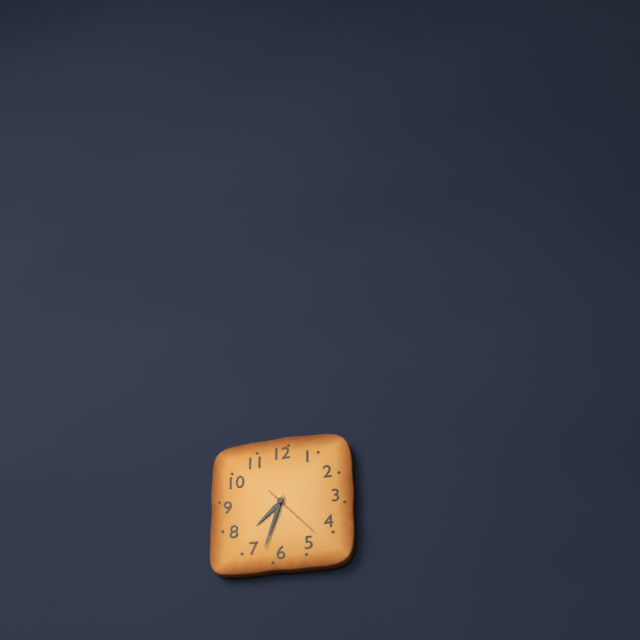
7 h 33 min 23 s
